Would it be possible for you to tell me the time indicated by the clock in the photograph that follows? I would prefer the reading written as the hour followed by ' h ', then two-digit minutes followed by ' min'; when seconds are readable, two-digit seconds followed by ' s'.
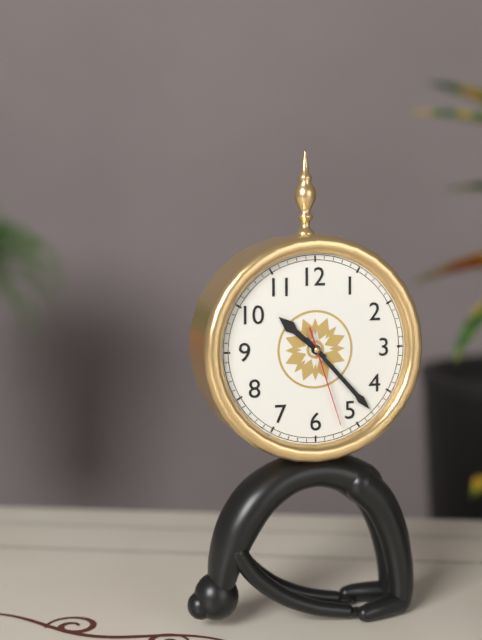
10 h 23 min 27 s
